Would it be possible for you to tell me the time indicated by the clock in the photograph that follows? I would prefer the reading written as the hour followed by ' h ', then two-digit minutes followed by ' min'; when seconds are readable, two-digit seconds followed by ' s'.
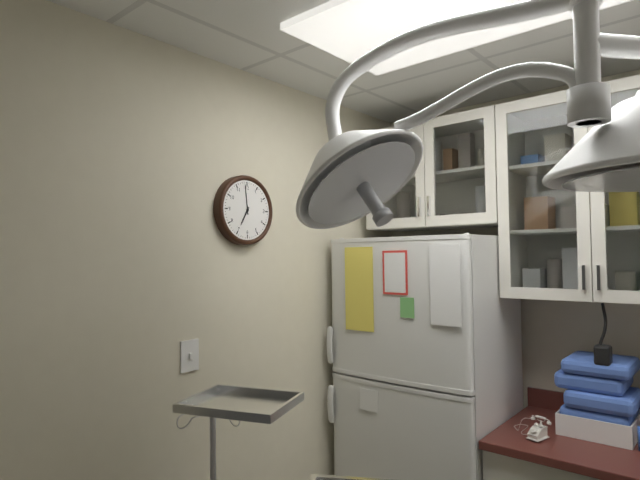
6 h 59 min
